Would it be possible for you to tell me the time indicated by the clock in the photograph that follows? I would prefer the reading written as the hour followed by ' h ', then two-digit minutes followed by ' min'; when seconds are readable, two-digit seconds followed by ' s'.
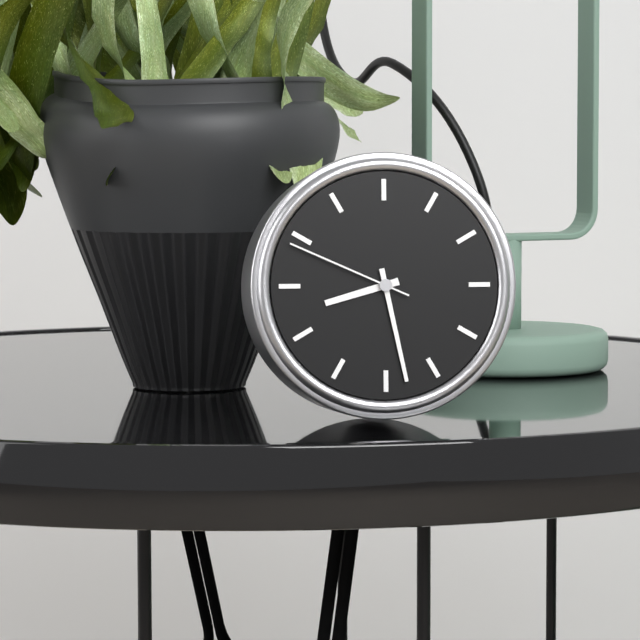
8 h 28 min 49 s
